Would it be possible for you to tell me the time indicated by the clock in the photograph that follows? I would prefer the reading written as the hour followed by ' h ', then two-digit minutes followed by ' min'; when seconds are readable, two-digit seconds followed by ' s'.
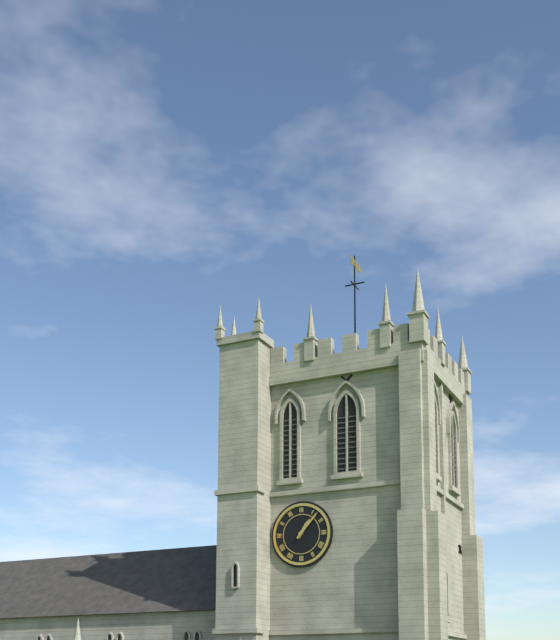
1 h 07 min
